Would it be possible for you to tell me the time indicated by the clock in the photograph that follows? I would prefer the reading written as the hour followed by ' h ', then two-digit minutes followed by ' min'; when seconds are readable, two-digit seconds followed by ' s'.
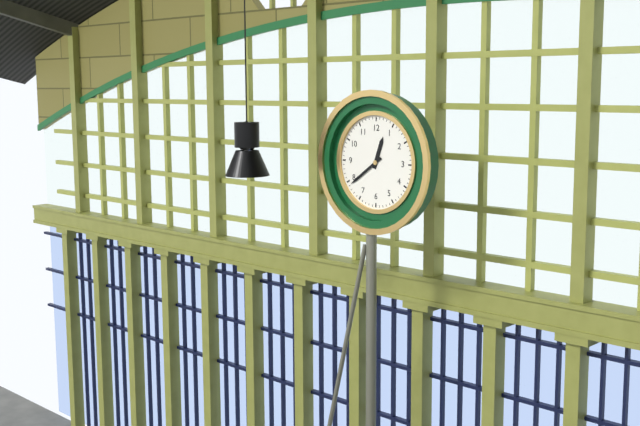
12 h 39 min
